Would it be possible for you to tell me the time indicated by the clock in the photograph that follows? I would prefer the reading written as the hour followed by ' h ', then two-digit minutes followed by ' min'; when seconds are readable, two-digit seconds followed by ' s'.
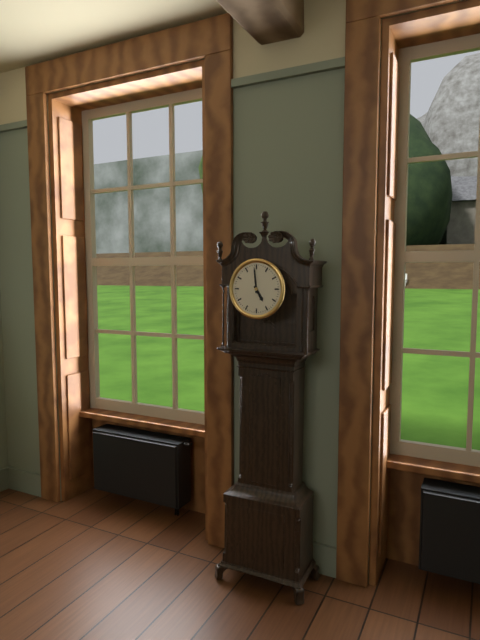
4 h 59 min
